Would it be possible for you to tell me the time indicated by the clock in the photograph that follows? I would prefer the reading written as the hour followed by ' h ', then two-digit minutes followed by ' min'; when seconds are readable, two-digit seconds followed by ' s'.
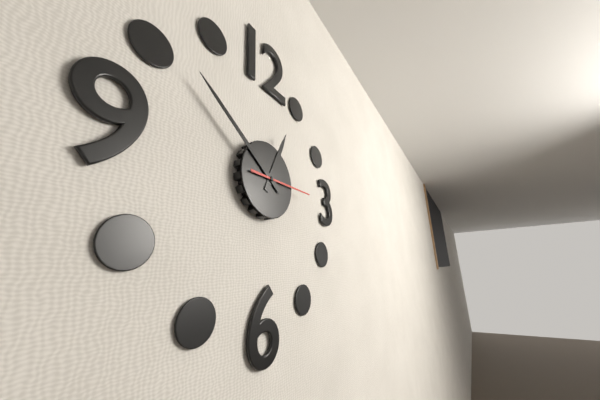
12 h 51 min 15 s
